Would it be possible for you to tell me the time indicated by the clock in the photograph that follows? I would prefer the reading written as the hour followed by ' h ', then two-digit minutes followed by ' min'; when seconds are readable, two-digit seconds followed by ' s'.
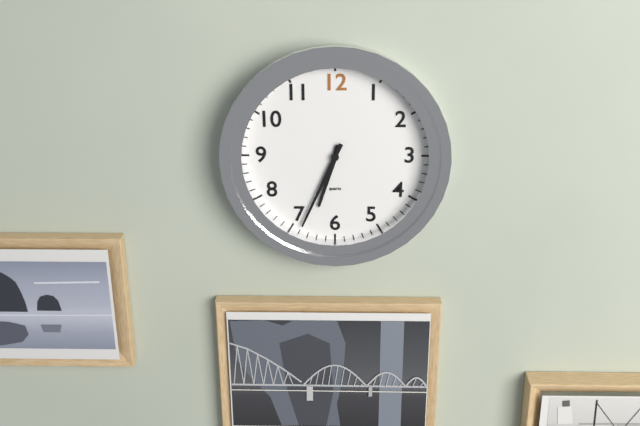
6 h 34 min
